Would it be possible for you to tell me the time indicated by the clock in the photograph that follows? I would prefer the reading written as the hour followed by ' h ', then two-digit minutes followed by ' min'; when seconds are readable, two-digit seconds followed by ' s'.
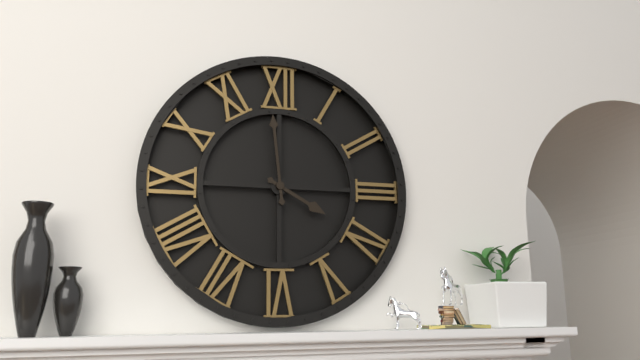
3 h 59 min
